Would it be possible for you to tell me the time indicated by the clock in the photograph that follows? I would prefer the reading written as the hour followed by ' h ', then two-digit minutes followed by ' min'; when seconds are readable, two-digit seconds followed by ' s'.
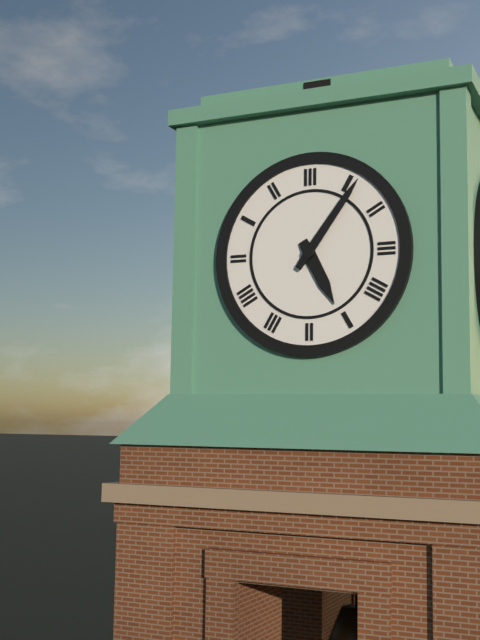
5 h 06 min
